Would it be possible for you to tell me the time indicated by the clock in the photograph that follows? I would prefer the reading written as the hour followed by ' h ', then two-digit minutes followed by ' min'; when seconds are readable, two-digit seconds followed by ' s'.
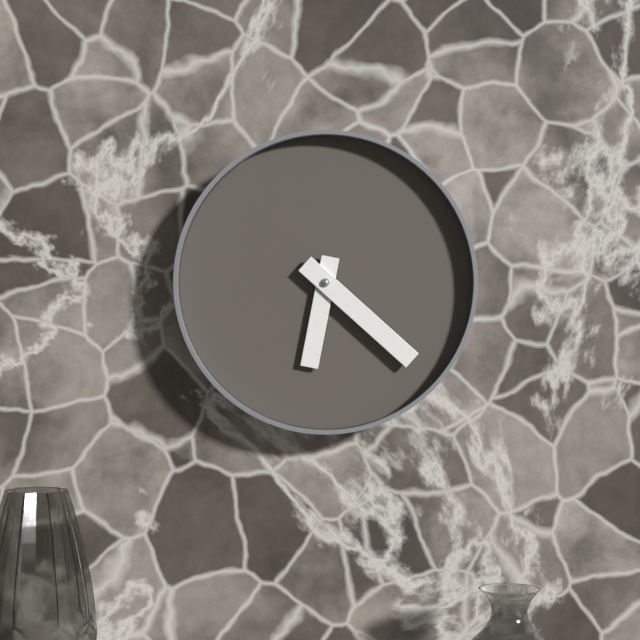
6 h 22 min
